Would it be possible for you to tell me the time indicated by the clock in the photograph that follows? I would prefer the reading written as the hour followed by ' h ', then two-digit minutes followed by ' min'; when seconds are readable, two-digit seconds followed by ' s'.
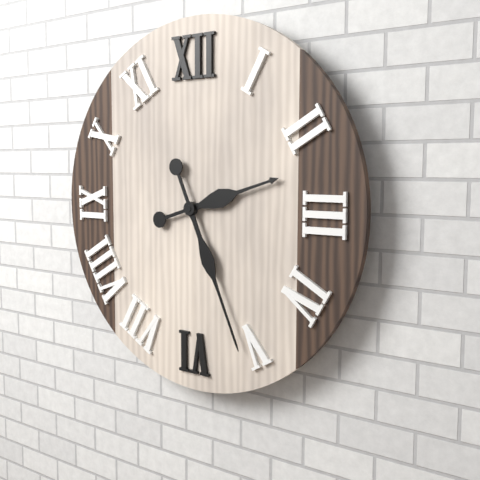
2 h 26 min
